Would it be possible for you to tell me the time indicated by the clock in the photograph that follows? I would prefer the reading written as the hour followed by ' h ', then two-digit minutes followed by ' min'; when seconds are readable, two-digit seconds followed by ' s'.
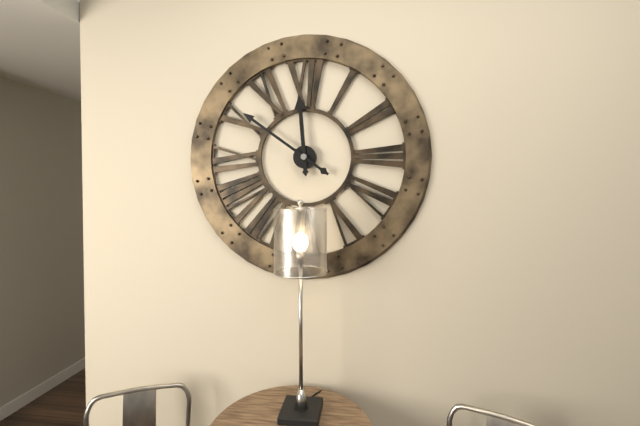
11 h 51 min
